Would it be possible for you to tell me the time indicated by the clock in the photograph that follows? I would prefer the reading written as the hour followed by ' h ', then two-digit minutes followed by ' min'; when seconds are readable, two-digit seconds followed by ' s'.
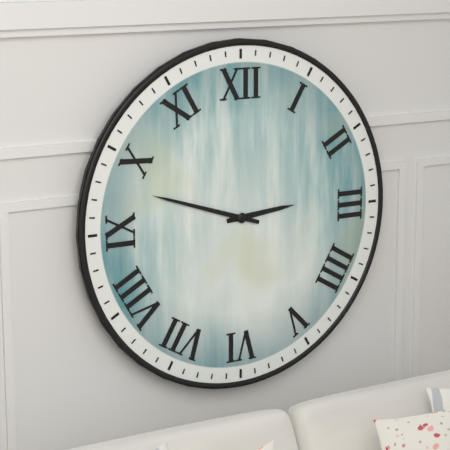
2 h 48 min
